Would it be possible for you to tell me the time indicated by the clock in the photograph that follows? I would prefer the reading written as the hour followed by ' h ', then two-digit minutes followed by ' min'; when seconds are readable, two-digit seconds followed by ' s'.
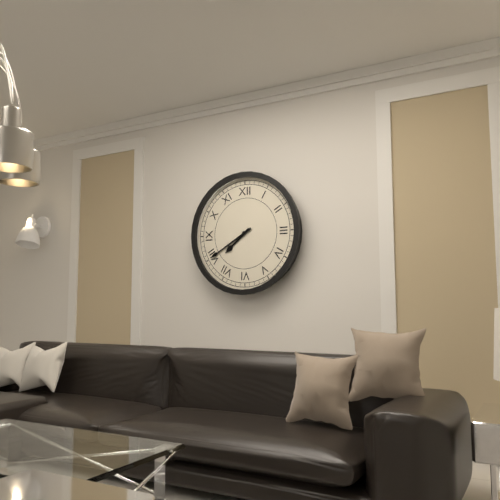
7 h 40 min
